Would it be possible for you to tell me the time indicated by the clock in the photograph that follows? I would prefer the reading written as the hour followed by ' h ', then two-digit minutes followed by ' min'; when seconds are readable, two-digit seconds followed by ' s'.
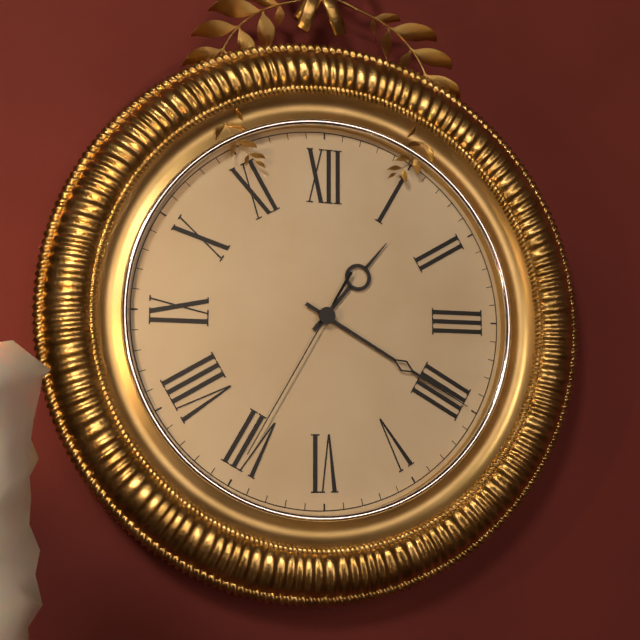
1 h 20 min 35 s
